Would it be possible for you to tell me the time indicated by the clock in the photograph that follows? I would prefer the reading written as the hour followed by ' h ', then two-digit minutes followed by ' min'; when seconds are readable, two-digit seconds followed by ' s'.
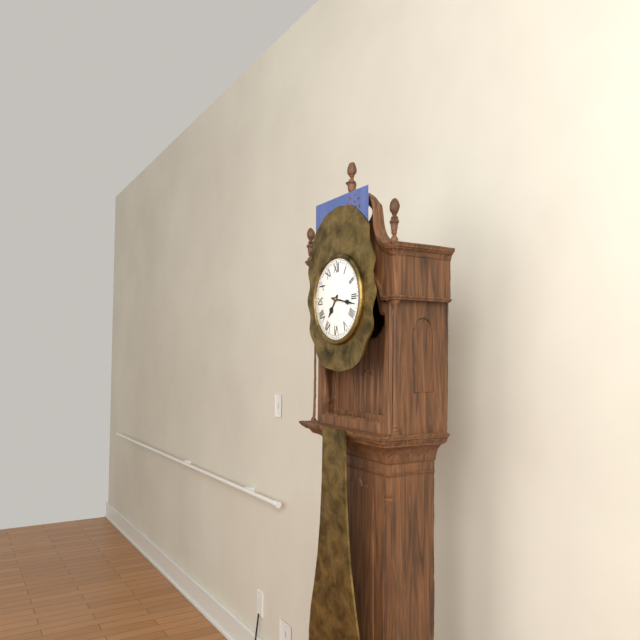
7 h 17 min
